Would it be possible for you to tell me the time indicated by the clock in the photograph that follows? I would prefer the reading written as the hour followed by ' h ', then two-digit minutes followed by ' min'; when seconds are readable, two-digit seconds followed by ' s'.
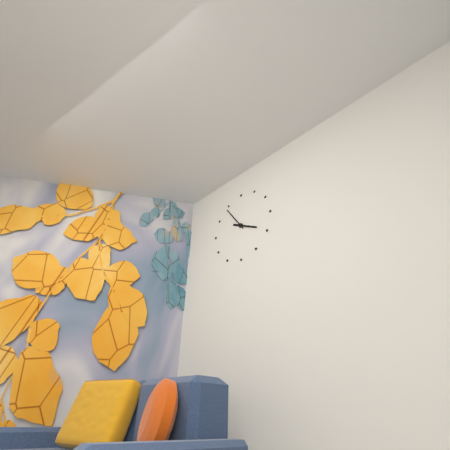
3 h 54 min
